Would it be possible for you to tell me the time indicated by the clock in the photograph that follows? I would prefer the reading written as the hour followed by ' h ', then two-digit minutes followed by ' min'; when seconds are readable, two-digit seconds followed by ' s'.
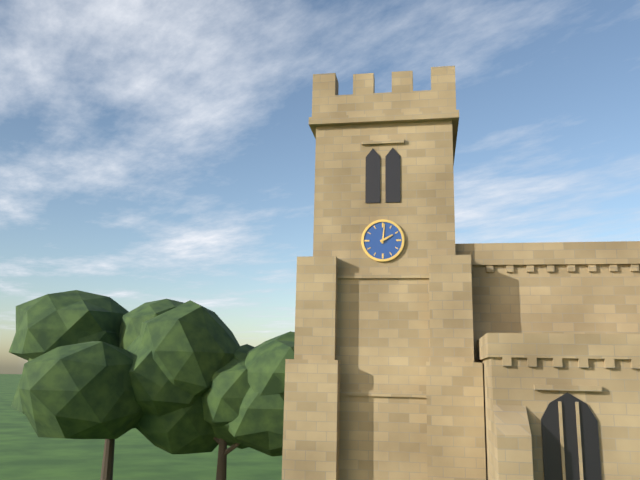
2 h 01 min
